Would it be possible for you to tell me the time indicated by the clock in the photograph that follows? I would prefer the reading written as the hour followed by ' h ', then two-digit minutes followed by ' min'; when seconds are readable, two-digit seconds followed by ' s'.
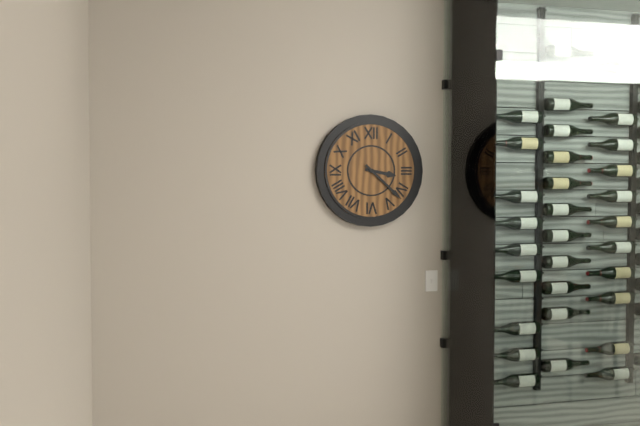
3 h 22 min
